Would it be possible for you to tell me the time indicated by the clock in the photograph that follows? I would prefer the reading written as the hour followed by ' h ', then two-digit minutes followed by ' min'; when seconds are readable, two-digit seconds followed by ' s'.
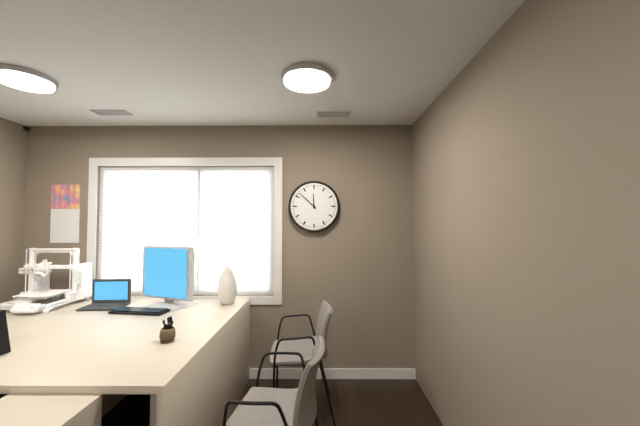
11 h 52 min
